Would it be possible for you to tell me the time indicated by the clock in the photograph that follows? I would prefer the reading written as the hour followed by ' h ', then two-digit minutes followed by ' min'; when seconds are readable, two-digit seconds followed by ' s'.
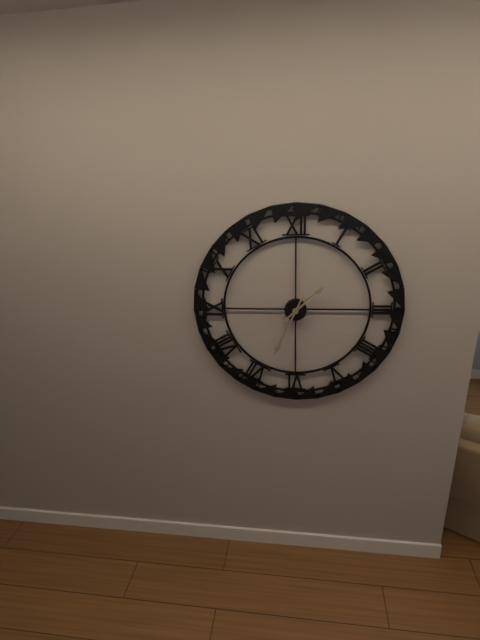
1 h 34 min
